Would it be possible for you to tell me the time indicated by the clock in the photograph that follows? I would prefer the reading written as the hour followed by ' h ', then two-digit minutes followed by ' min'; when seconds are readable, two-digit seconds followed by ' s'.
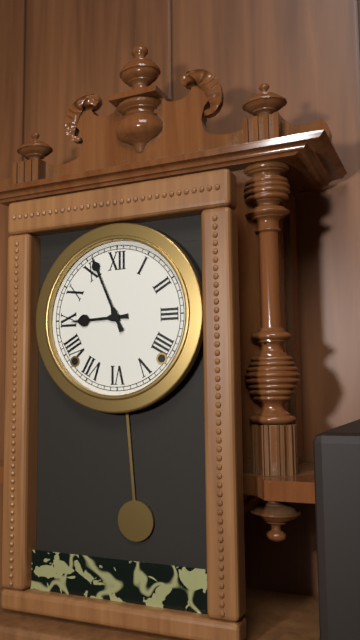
8 h 56 min
